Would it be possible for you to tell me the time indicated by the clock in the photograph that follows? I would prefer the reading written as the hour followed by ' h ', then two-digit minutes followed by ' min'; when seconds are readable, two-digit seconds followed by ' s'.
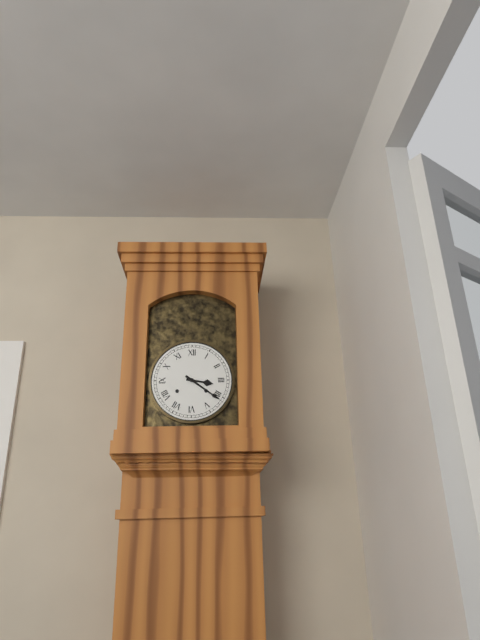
3 h 21 min
